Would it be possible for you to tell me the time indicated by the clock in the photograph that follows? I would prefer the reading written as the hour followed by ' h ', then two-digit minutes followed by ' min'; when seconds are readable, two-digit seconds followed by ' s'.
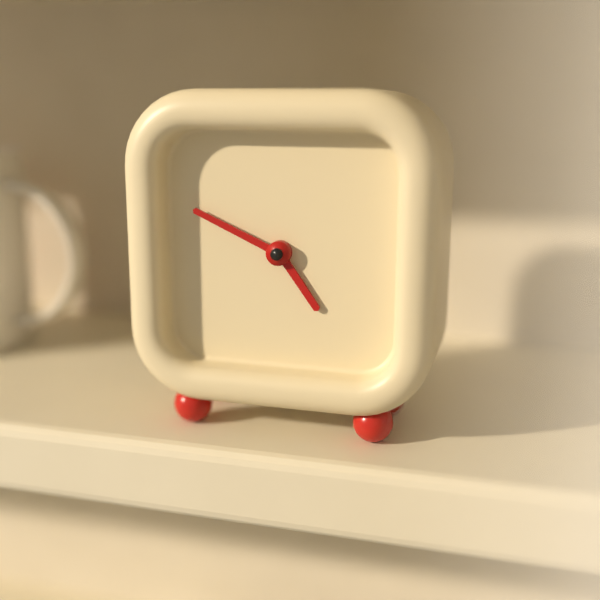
4 h 49 min
